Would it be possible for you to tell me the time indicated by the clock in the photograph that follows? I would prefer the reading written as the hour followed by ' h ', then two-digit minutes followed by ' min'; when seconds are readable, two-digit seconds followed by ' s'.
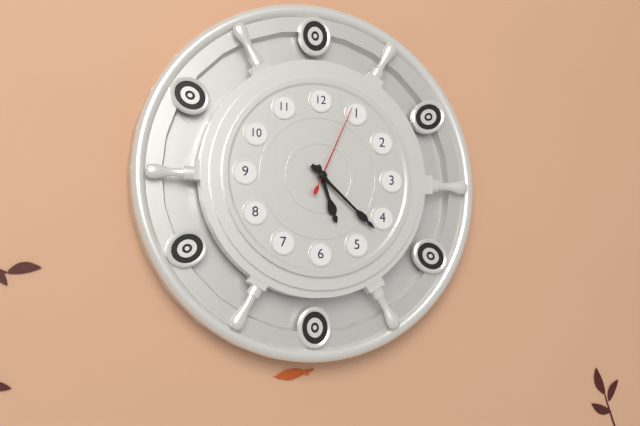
5 h 22 min 04 s
